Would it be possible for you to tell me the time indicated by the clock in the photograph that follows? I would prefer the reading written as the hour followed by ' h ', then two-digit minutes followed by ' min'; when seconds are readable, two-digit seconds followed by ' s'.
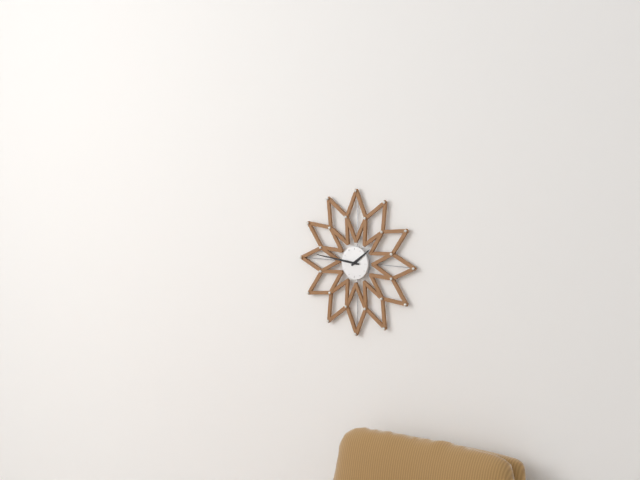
1 h 46 min
